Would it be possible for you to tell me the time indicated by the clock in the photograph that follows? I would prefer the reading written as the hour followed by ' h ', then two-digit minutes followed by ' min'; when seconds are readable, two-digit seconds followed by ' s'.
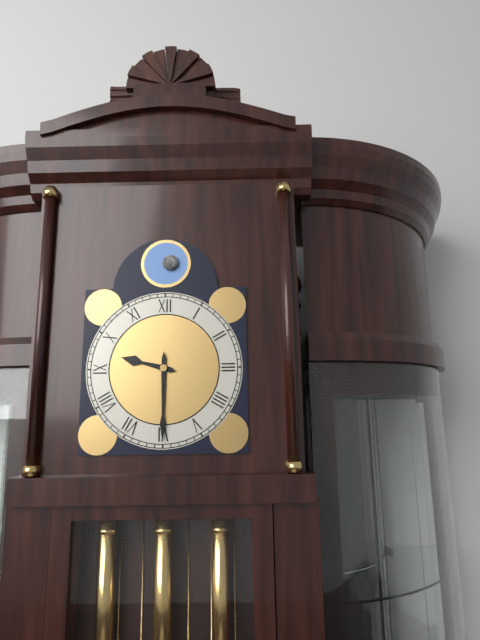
9 h 30 min
